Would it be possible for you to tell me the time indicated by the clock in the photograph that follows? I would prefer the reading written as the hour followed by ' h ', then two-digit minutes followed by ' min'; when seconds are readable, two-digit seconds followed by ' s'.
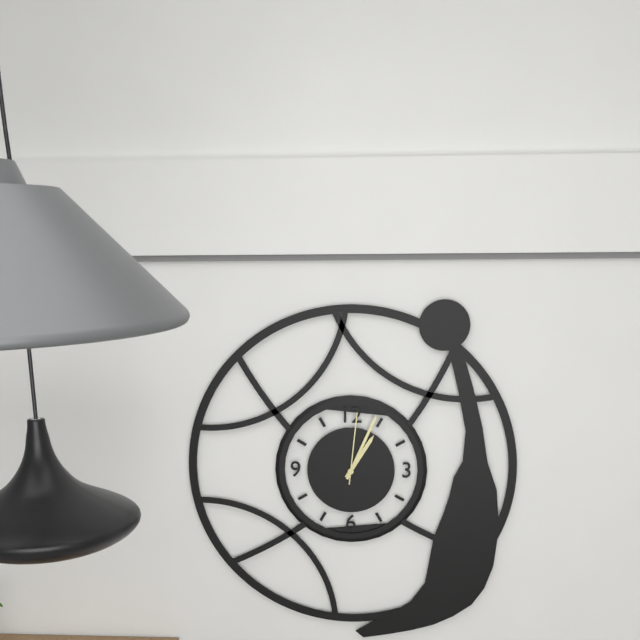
1 h 04 min 01 s
